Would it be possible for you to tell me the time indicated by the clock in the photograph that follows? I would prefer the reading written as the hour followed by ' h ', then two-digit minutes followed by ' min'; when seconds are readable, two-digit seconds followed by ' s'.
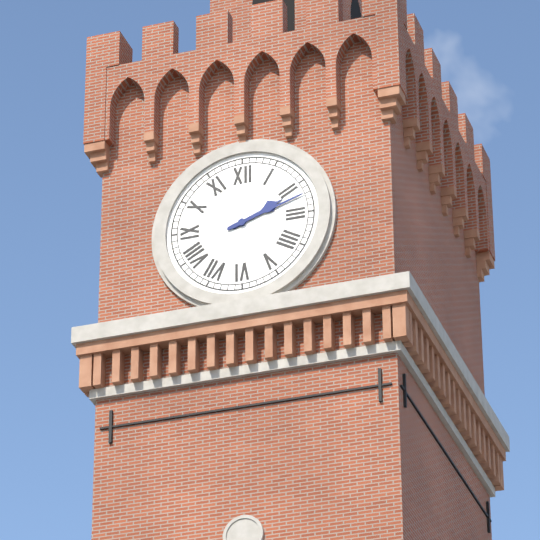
2 h 12 min
